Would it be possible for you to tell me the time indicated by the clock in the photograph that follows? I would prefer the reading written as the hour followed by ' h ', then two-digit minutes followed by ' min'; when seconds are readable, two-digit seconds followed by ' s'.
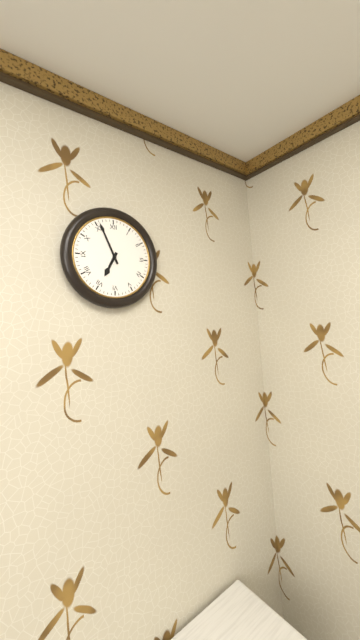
6 h 56 min
